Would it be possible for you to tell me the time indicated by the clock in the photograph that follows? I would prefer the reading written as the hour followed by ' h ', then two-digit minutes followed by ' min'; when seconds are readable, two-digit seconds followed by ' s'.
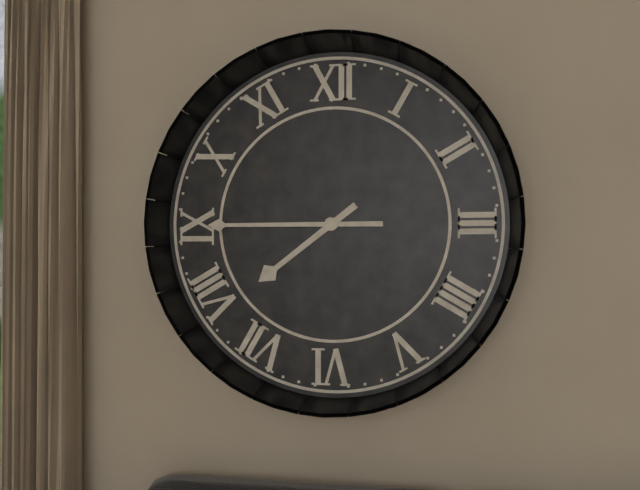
7 h 45 min
